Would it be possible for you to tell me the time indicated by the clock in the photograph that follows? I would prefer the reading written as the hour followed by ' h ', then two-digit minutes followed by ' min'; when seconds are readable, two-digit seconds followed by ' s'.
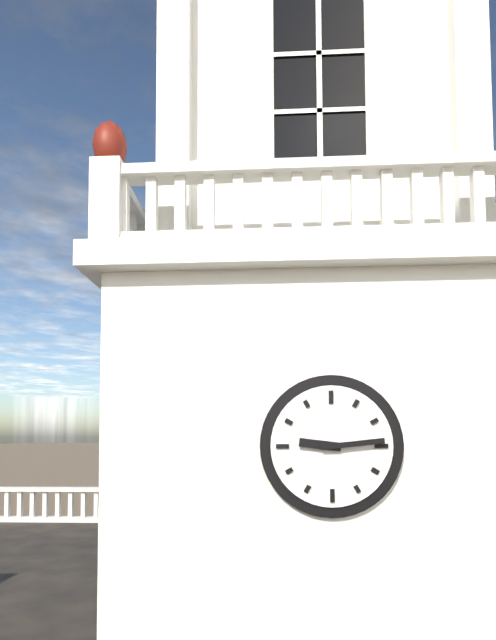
9 h 14 min
